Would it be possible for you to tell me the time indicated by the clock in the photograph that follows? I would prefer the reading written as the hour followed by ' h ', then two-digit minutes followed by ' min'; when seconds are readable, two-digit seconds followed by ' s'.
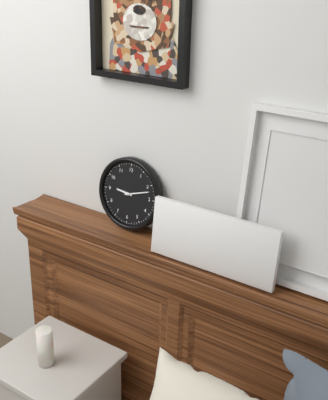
9 h 12 min
